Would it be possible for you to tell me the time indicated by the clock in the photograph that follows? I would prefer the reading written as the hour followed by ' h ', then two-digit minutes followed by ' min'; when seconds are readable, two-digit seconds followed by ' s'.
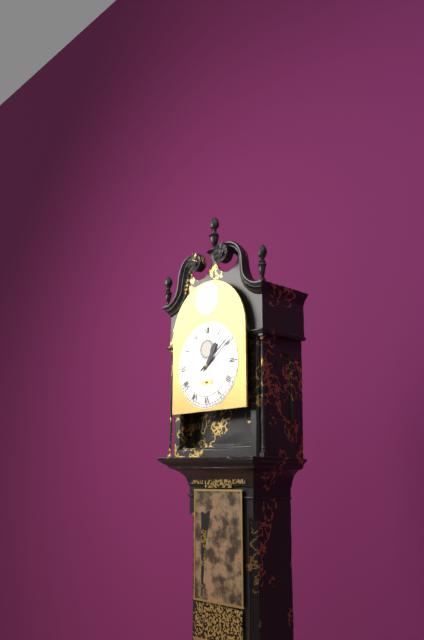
1 h 09 min
